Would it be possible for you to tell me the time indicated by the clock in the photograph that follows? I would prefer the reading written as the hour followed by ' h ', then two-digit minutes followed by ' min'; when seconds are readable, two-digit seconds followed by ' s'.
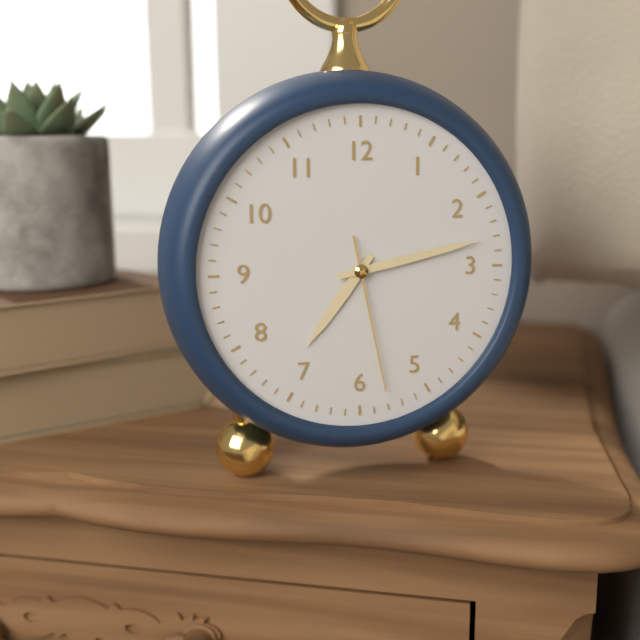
7 h 13 min 28 s
